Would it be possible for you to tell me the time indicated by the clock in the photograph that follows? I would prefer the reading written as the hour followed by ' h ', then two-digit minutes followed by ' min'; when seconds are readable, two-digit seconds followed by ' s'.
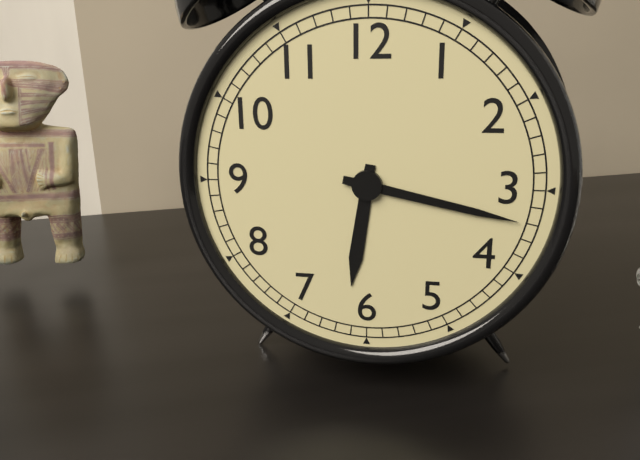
6 h 17 min
